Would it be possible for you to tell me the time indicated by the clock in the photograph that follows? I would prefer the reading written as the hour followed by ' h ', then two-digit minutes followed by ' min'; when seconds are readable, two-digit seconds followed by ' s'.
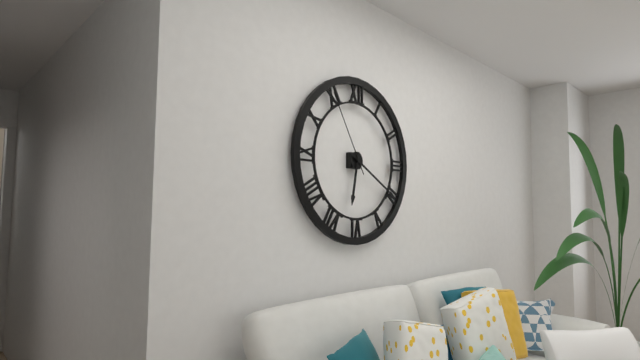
6 h 20 min 55 s
